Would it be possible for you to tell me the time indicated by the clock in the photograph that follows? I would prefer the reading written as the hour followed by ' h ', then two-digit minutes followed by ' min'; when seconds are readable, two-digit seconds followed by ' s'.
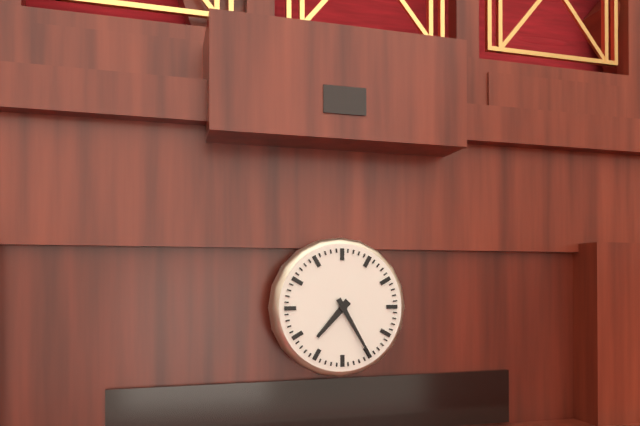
7 h 25 min
